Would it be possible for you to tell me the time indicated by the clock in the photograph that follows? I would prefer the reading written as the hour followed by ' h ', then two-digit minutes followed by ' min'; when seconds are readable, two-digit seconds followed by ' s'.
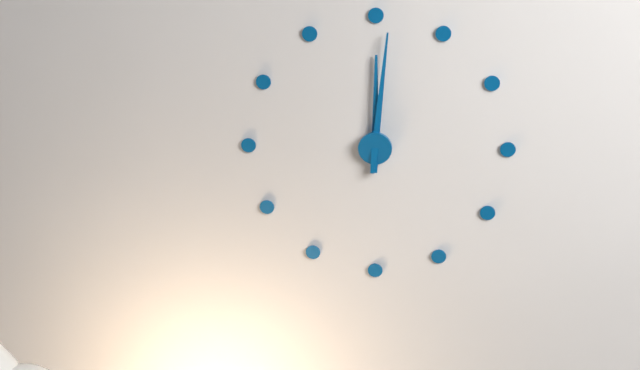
12 h 01 min
